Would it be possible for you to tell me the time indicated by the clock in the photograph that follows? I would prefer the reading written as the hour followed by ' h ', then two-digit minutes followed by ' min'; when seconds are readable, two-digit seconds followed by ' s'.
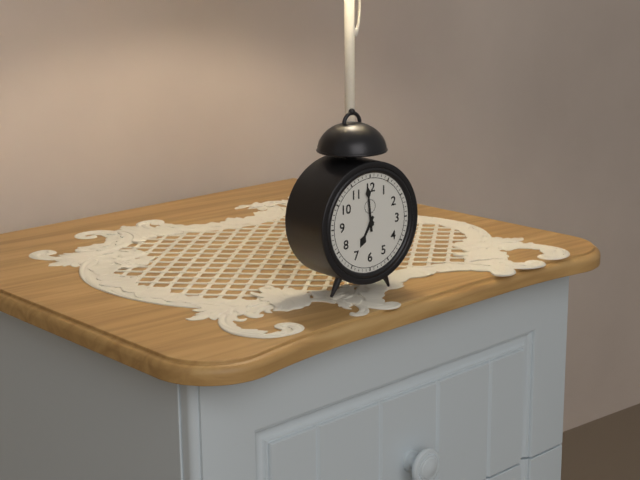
6 h 59 min
